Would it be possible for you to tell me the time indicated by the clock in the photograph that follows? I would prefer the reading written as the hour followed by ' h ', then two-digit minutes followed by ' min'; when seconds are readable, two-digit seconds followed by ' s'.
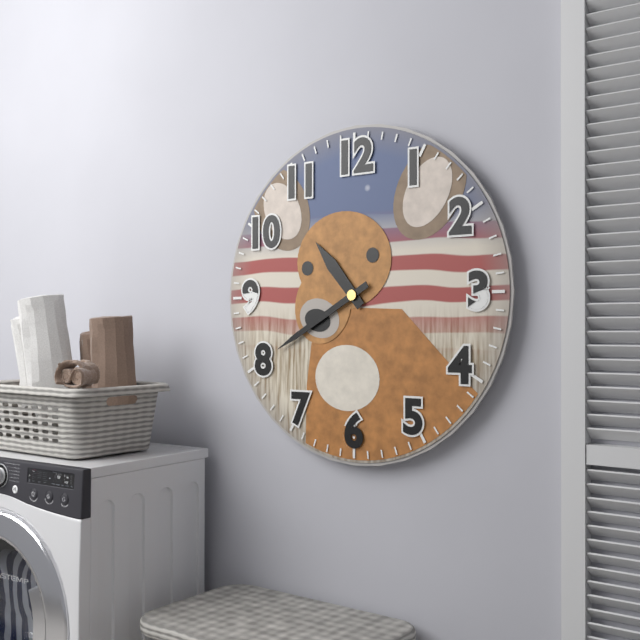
10 h 40 min
